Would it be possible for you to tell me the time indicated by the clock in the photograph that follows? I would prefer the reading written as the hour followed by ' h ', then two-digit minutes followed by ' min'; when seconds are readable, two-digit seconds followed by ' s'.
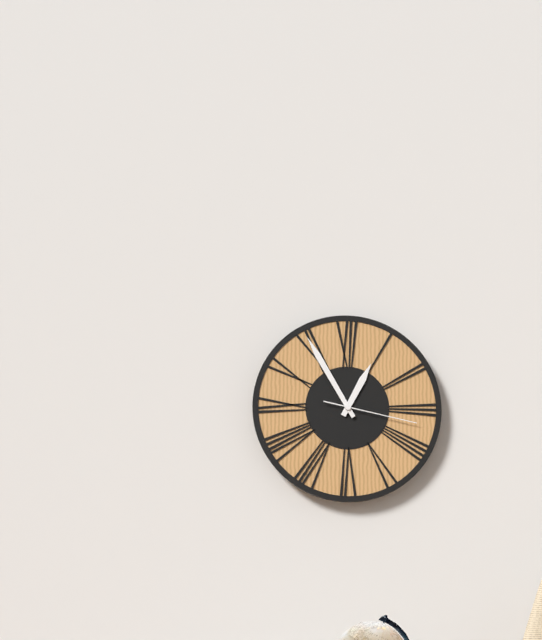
12 h 55 min 17 s
